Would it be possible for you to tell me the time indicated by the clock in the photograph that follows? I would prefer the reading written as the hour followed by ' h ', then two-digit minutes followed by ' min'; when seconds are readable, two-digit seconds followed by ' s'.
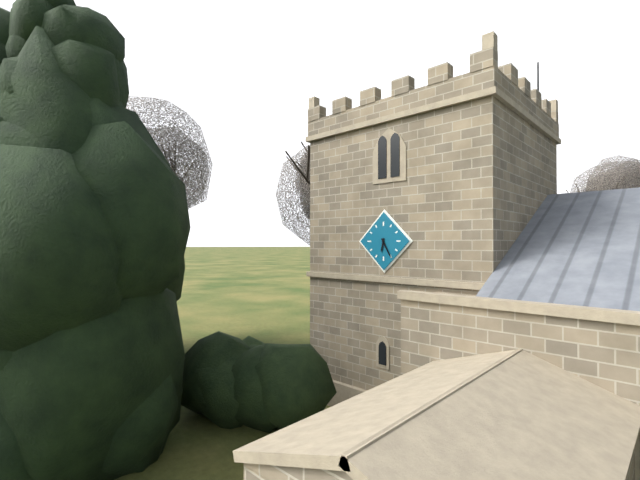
6 h 25 min
